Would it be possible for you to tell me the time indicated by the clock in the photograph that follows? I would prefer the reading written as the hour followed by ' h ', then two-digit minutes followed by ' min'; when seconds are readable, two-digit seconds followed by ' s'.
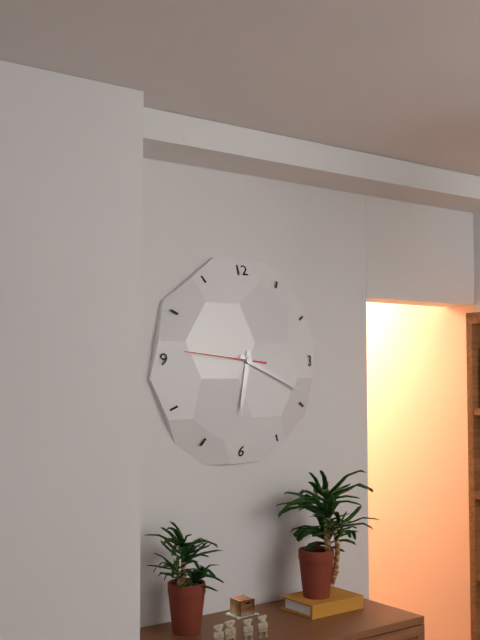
6 h 19 min 46 s
